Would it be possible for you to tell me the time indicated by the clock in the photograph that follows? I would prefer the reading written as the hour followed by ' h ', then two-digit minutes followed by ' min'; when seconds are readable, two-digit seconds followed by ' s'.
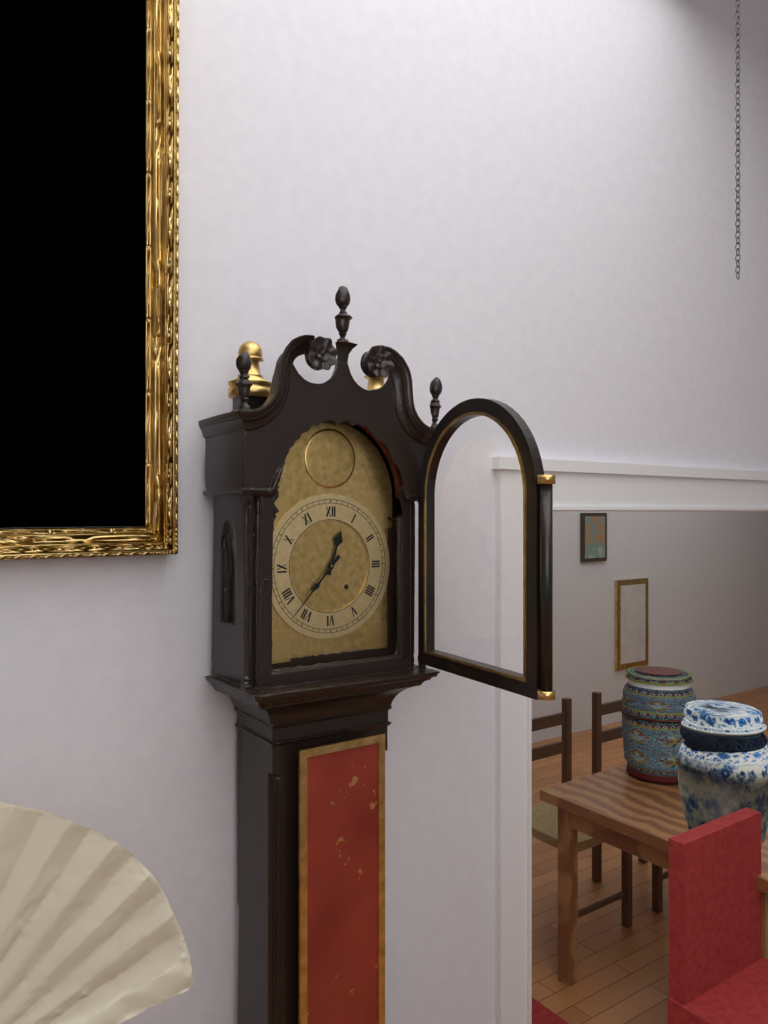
12 h 37 min
